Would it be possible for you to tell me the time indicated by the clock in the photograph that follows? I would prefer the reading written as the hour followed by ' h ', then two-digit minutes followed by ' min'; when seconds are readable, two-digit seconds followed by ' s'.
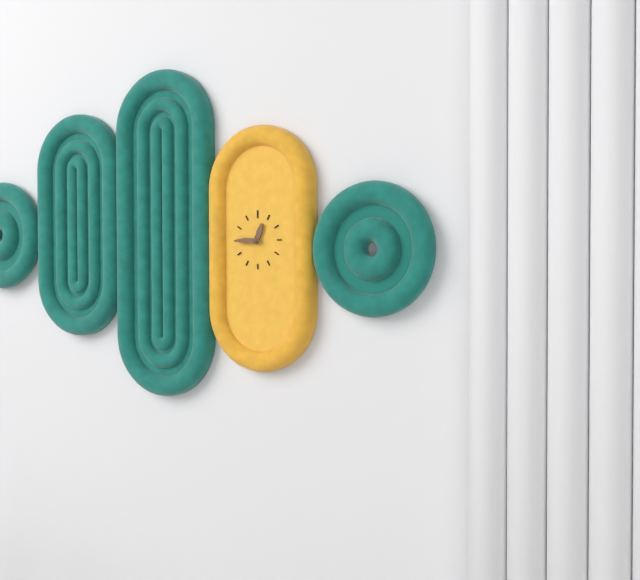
12 h 45 min
